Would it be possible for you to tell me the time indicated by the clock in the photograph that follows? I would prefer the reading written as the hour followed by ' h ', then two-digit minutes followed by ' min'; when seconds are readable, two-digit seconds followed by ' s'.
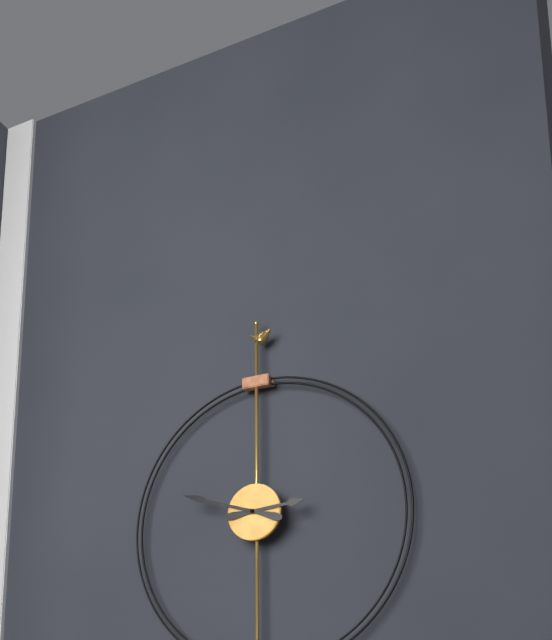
2 h 48 min
